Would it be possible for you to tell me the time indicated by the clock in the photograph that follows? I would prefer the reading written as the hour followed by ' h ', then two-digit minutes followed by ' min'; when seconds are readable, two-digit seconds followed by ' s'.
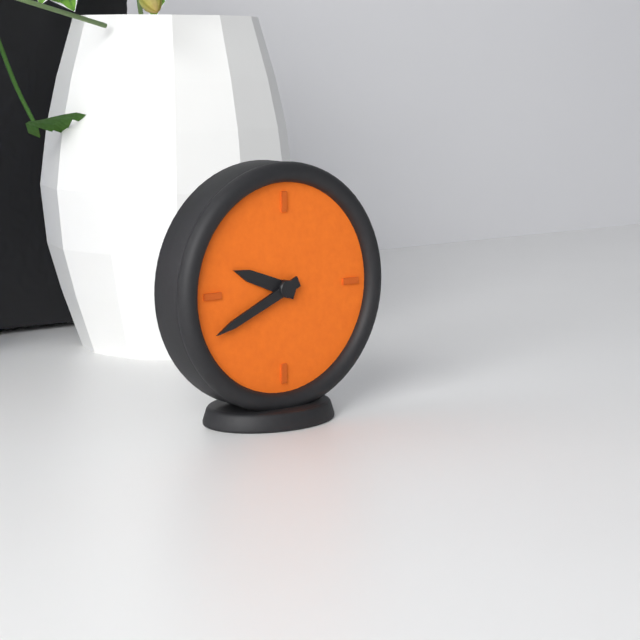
9 h 41 min
